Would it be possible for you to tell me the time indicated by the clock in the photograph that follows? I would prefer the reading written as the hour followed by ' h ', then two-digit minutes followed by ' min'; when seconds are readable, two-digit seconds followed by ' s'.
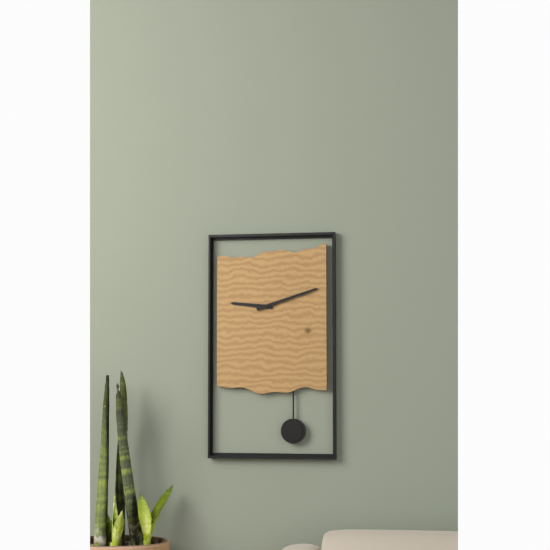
9 h 12 min
